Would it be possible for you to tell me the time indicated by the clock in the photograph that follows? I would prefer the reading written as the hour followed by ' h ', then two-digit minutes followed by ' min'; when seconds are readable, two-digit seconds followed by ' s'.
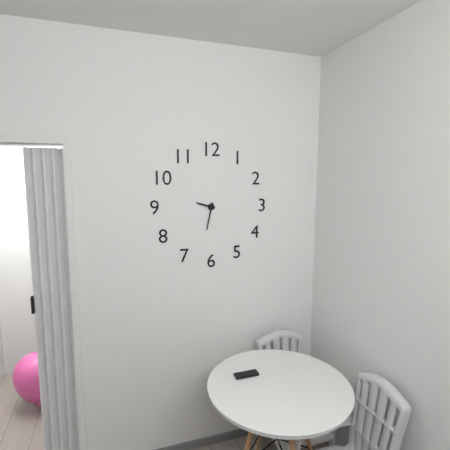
9 h 32 min
